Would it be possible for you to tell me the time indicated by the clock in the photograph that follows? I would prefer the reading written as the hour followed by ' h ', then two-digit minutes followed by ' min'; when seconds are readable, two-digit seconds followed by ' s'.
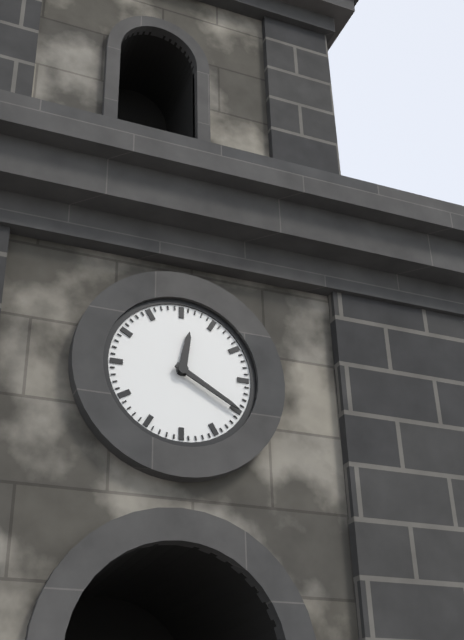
12 h 20 min
